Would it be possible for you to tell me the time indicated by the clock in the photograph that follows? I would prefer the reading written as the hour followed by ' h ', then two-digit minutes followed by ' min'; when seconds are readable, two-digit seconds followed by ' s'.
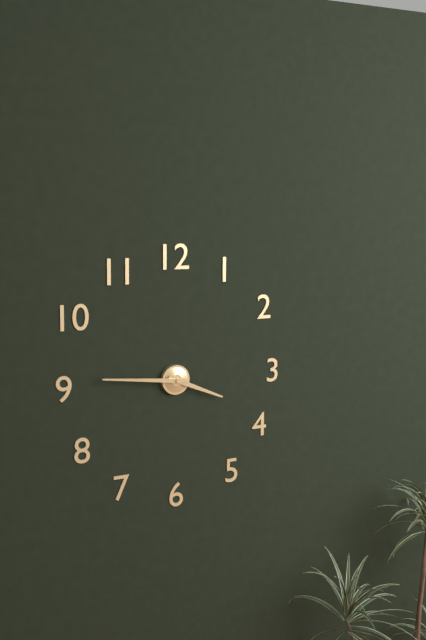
3 h 46 min
